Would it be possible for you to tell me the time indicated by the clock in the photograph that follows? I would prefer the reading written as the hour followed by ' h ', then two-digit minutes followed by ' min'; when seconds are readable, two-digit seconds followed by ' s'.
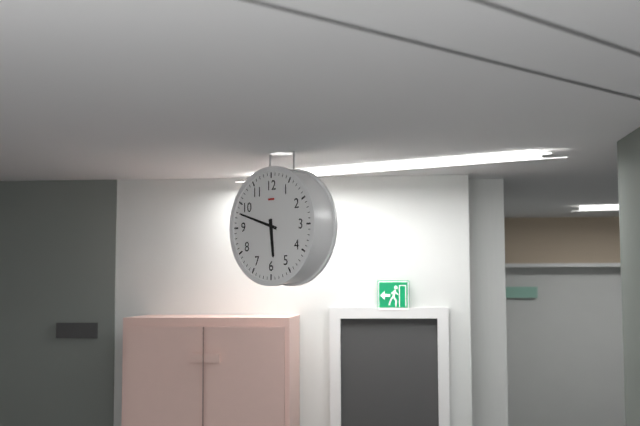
5 h 48 min
